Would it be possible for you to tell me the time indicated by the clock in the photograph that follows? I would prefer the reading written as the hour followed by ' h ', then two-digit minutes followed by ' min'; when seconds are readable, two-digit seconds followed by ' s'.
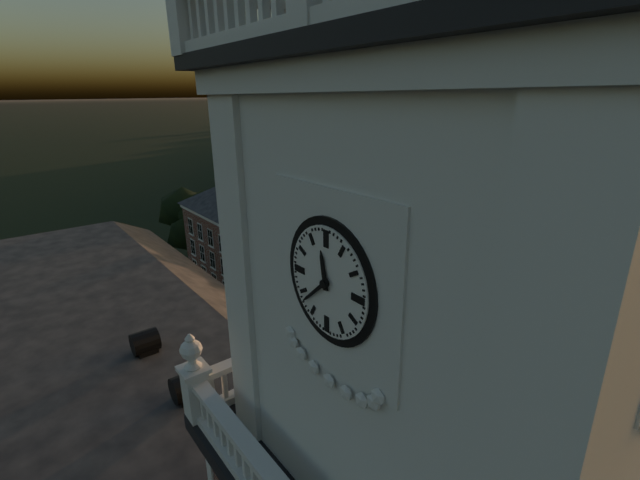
11 h 38 min
